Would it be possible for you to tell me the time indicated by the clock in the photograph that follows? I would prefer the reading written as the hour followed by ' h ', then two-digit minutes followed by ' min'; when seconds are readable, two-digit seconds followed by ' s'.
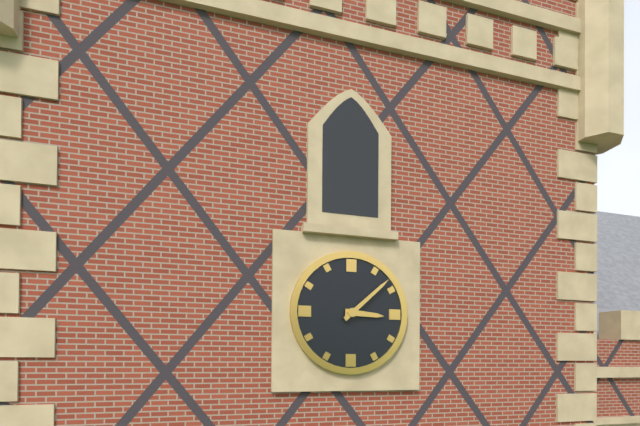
3 h 08 min
